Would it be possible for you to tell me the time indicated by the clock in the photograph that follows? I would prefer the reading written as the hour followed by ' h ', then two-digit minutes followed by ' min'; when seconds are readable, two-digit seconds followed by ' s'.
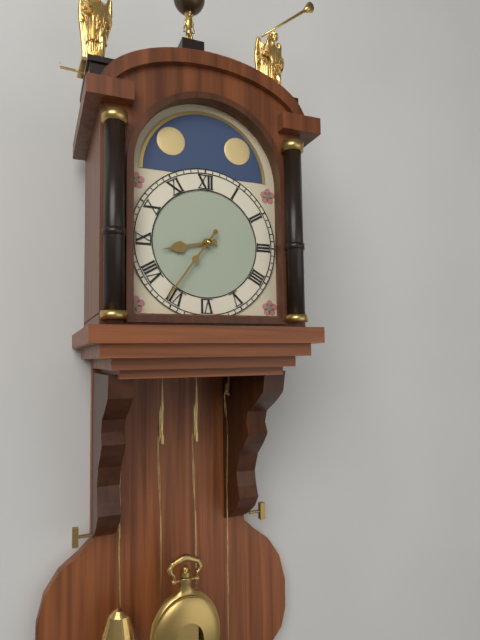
8 h 36 min
